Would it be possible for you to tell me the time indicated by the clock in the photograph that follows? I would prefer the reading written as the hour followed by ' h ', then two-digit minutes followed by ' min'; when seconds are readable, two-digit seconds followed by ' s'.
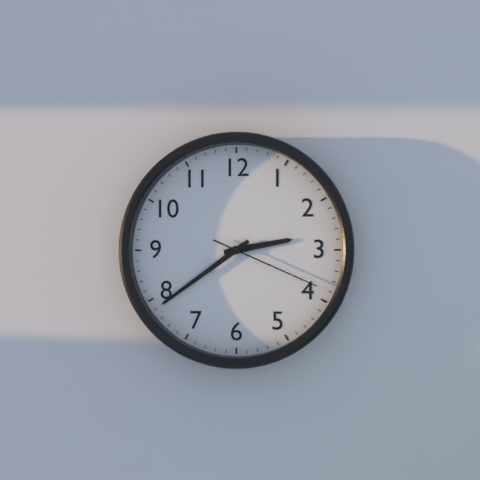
2 h 39 min 19 s
